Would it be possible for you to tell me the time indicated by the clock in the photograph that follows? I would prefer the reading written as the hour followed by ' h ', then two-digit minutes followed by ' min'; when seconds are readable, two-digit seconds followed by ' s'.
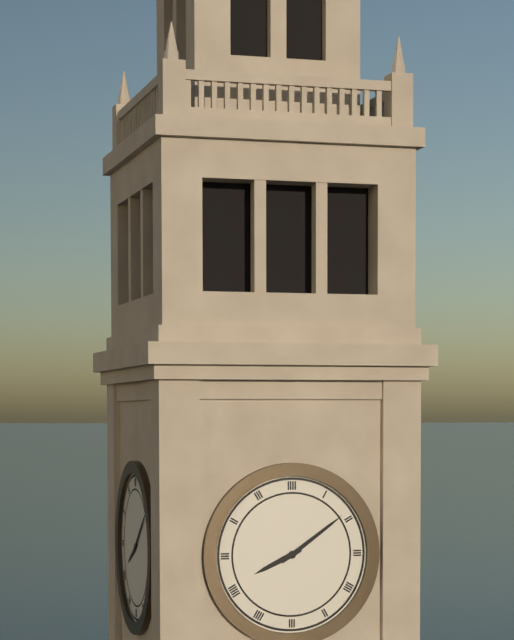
8 h 09 min
